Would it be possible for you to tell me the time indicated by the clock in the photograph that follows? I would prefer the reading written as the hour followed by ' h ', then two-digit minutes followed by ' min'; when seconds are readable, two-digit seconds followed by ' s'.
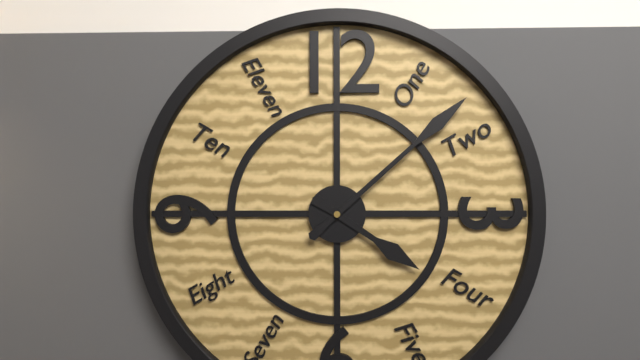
4 h 08 min
